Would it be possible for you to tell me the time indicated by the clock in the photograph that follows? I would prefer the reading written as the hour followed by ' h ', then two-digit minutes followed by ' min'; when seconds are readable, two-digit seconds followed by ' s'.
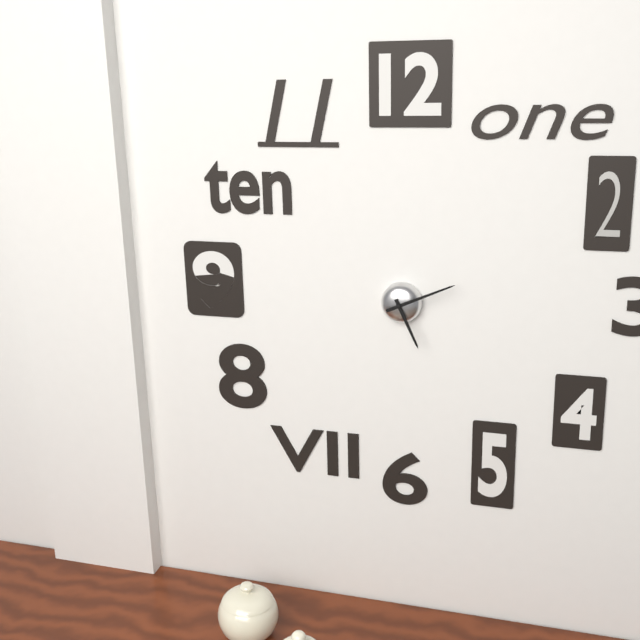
5 h 11 min
